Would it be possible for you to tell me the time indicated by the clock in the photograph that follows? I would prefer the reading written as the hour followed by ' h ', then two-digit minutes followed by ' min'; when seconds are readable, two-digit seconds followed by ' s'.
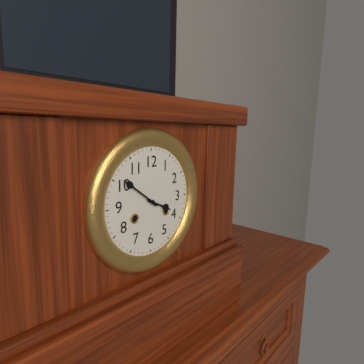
3 h 51 min
